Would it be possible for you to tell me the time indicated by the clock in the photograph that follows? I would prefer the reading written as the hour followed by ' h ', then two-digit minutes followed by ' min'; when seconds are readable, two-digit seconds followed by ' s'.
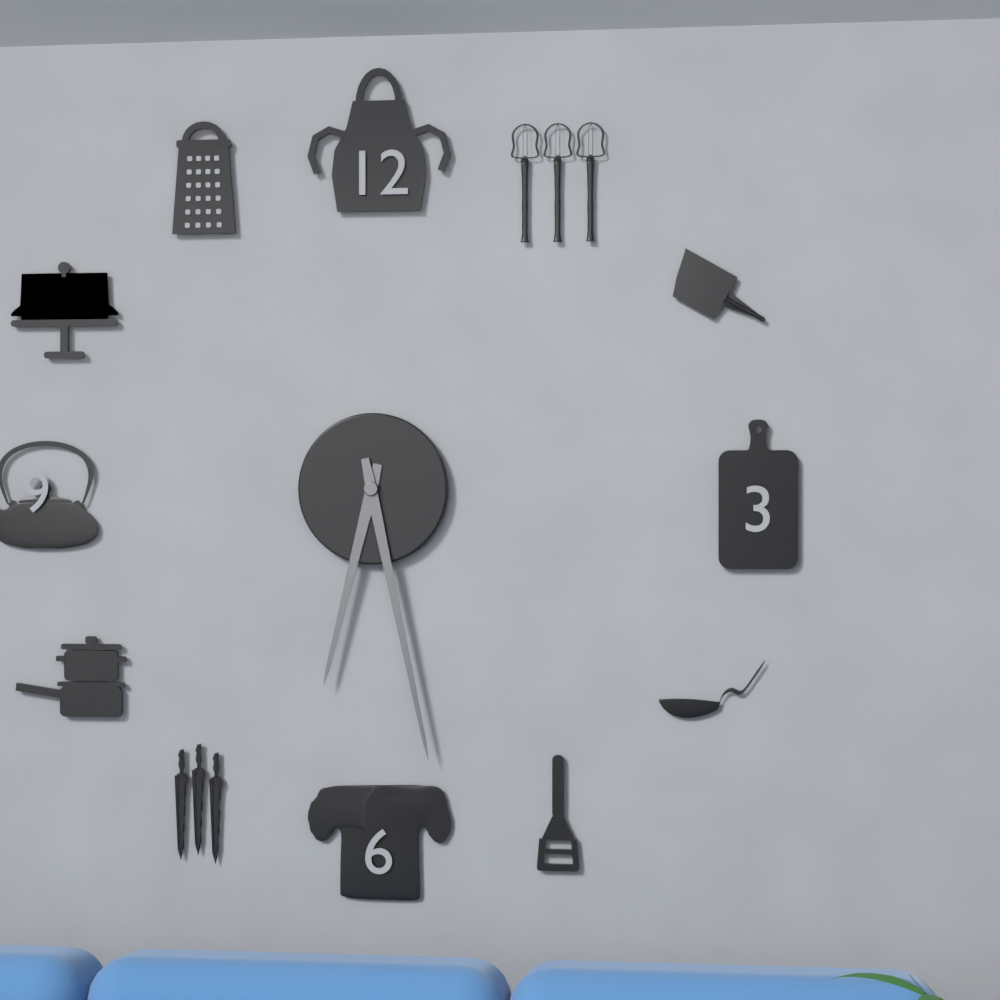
6 h 28 min
